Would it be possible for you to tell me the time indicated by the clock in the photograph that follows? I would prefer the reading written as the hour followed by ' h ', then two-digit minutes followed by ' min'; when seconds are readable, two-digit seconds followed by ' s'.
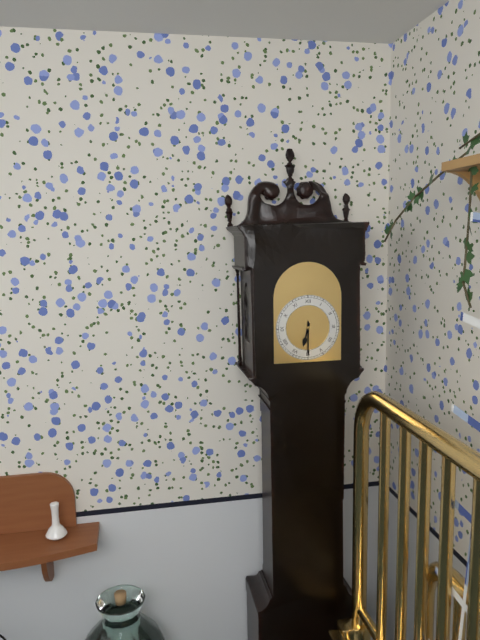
6 h 30 min
